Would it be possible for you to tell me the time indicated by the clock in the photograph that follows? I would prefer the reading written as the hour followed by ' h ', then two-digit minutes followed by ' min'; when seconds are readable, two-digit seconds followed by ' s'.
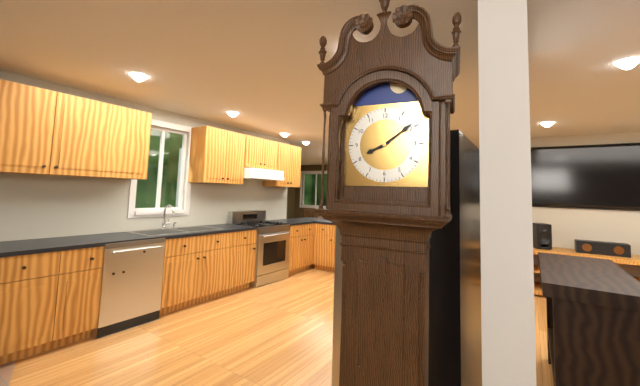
8 h 09 min
